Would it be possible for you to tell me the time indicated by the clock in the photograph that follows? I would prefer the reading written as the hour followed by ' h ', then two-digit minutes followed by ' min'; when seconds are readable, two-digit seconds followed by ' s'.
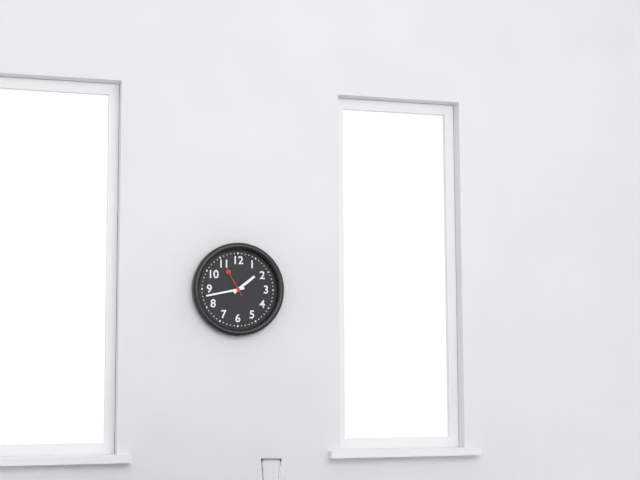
1 h 43 min
